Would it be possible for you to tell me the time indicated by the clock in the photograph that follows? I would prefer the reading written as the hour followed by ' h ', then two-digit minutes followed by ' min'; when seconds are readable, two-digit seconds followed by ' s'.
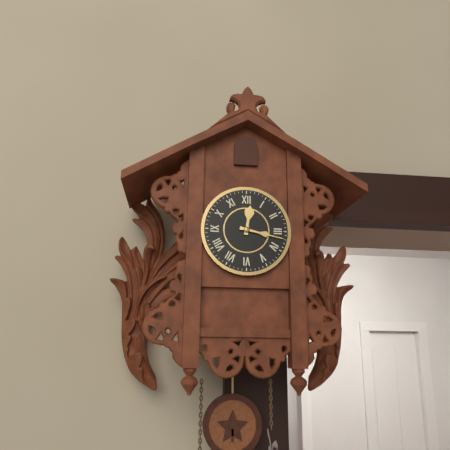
12 h 17 min
